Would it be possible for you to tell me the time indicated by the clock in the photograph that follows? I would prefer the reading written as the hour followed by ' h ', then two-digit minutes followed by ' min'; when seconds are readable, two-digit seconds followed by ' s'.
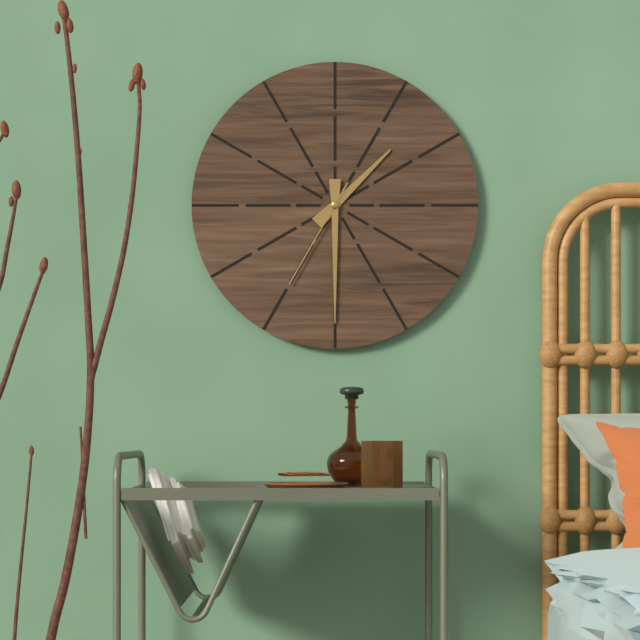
1 h 30 min 35 s
